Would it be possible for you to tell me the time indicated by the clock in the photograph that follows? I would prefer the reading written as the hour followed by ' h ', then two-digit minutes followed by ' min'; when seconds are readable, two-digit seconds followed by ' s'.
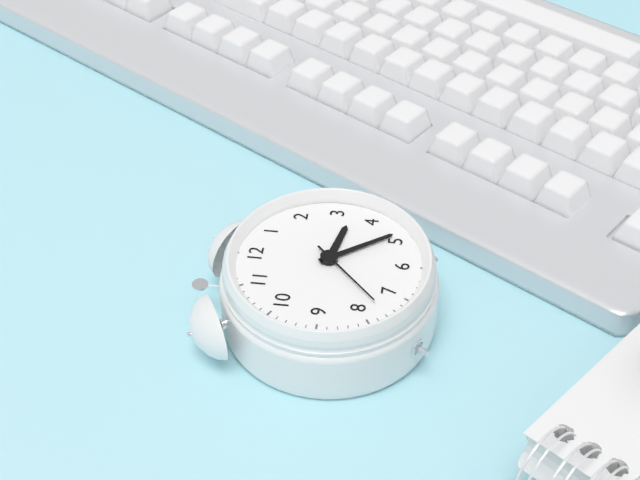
3 h 24 min 38 s
